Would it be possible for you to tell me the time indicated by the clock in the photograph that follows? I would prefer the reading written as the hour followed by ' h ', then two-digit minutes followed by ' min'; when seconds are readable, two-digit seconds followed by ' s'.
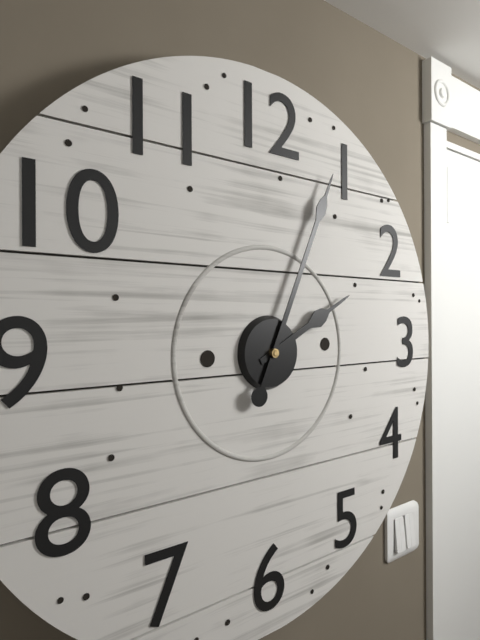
2 h 04 min
